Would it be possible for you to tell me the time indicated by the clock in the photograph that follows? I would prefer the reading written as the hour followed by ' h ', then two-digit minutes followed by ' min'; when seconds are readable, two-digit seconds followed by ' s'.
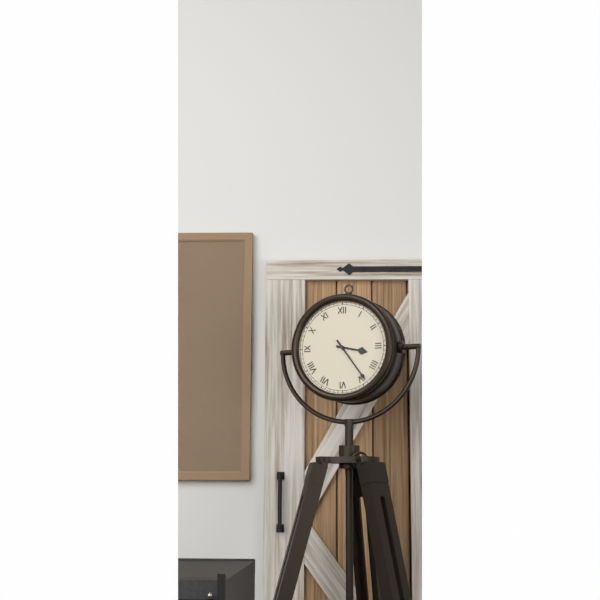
3 h 24 min
